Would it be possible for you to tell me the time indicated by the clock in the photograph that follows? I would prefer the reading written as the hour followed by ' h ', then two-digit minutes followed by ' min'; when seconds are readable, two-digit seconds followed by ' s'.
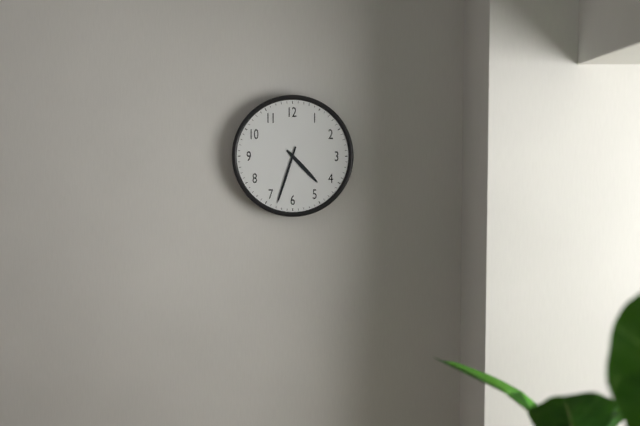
4 h 33 min
